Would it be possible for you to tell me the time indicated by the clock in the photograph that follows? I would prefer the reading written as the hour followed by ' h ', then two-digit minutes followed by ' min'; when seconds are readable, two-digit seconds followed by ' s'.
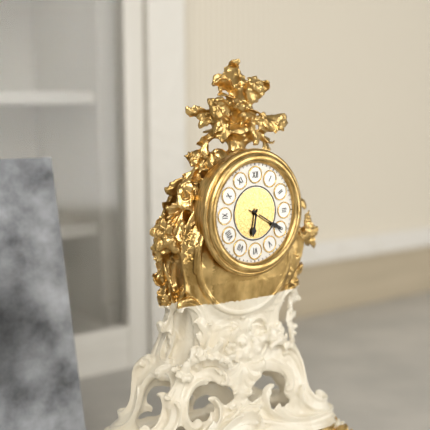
6 h 20 min
